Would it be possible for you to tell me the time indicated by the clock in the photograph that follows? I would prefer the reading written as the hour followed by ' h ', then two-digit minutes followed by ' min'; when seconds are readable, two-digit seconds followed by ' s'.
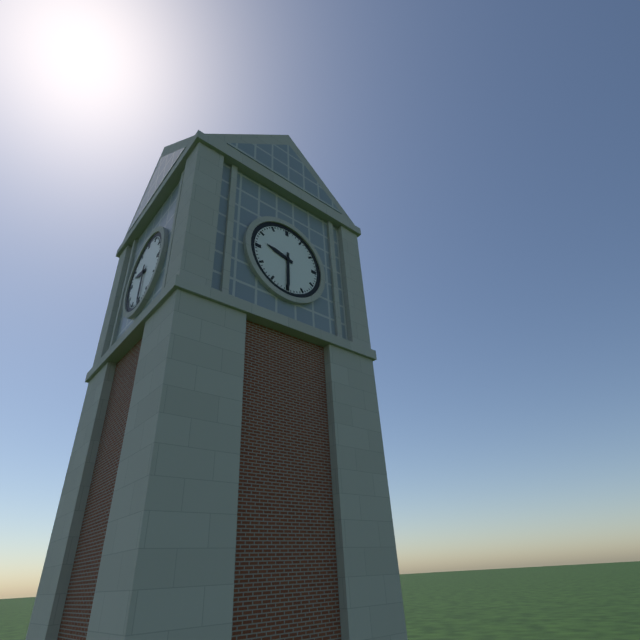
9 h 30 min
